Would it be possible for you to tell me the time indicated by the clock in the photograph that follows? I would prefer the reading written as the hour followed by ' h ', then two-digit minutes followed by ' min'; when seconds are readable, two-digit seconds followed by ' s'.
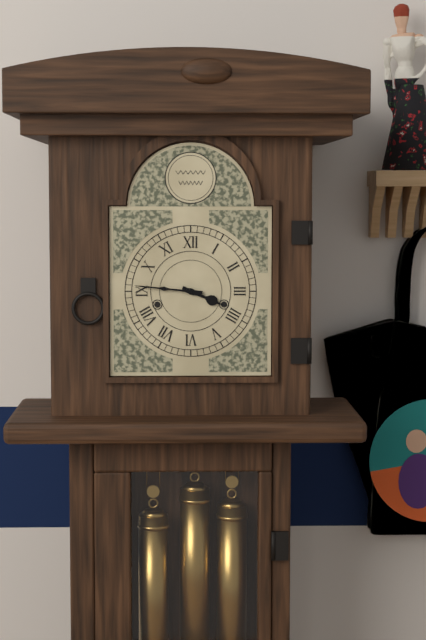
3 h 46 min
